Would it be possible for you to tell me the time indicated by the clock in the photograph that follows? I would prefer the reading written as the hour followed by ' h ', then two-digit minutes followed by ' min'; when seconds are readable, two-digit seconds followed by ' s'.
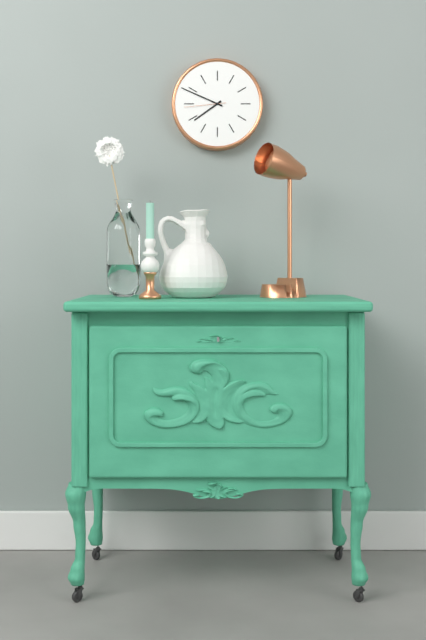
7 h 49 min
